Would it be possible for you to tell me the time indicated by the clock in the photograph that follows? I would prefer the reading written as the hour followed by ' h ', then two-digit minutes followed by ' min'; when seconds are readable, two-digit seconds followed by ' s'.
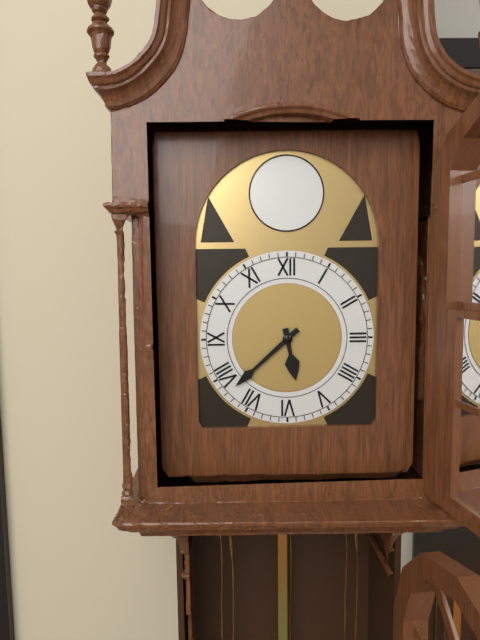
5 h 38 min
